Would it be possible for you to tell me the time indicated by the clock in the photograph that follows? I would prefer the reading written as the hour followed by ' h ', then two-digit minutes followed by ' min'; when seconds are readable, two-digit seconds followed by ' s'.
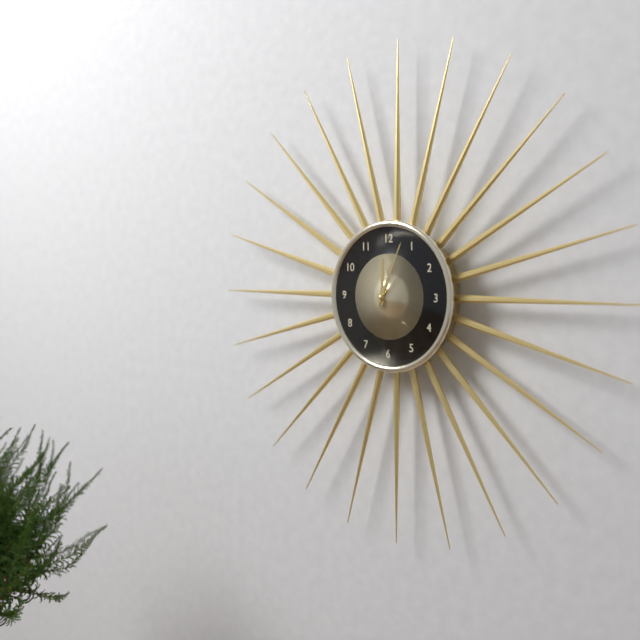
12 h 04 min
